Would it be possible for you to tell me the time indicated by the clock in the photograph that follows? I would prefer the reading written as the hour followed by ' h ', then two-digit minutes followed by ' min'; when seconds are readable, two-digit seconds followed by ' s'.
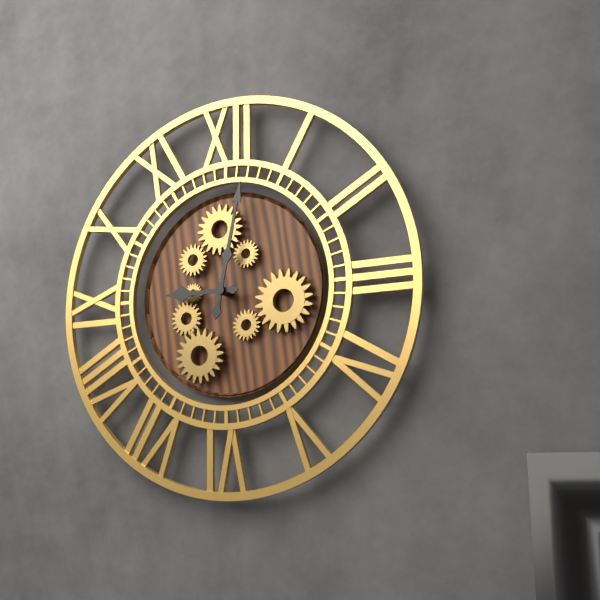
9 h 02 min
